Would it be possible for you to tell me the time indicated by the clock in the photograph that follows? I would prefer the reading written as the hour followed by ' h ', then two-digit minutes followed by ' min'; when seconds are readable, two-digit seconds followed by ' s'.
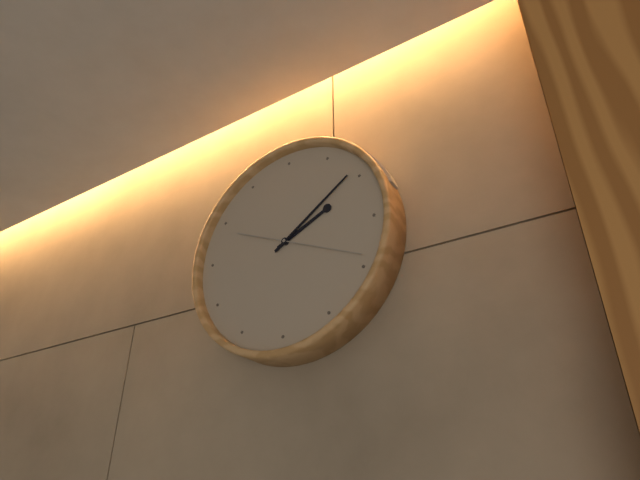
2 h 09 min 19 s
